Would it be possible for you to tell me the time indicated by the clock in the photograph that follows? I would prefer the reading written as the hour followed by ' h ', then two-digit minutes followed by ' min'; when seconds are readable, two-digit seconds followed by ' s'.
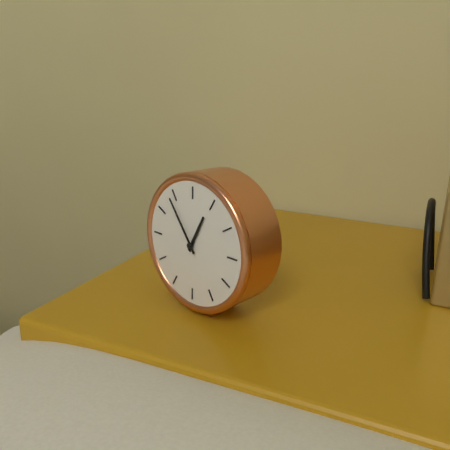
12 h 54 min
